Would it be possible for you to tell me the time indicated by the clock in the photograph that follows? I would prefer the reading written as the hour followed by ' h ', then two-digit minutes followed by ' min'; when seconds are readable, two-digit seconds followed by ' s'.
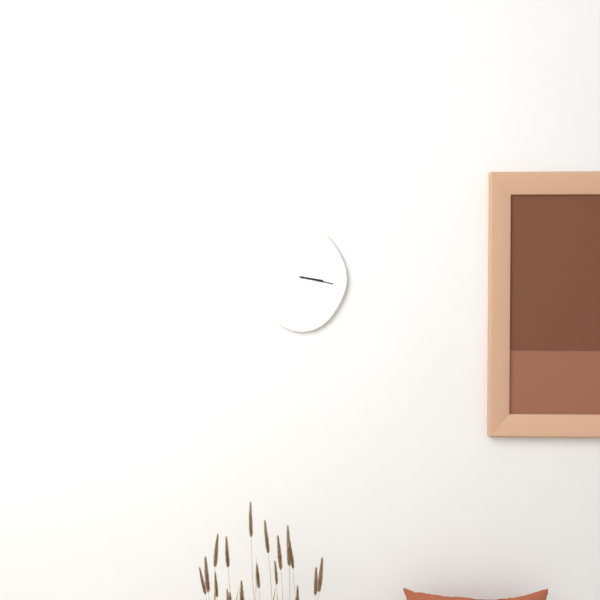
3 h 17 min
